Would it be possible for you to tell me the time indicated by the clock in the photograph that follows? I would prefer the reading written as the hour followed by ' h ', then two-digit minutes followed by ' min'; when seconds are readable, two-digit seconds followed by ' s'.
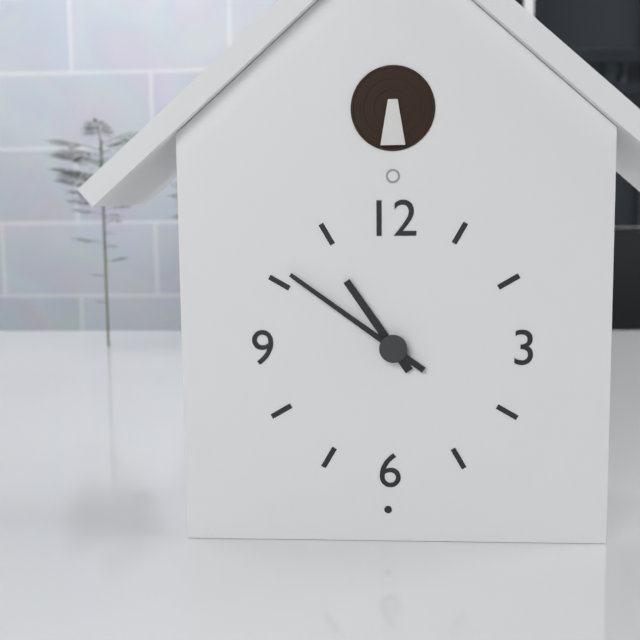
10 h 51 min
